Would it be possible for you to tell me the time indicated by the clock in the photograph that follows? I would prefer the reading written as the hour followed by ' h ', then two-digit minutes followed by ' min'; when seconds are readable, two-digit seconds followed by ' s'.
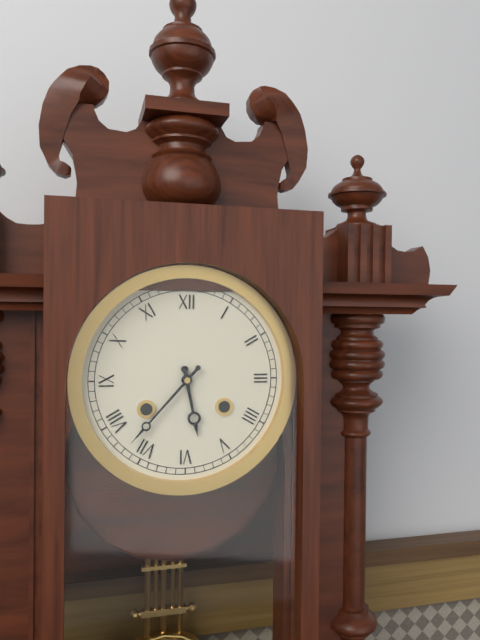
5 h 37 min
